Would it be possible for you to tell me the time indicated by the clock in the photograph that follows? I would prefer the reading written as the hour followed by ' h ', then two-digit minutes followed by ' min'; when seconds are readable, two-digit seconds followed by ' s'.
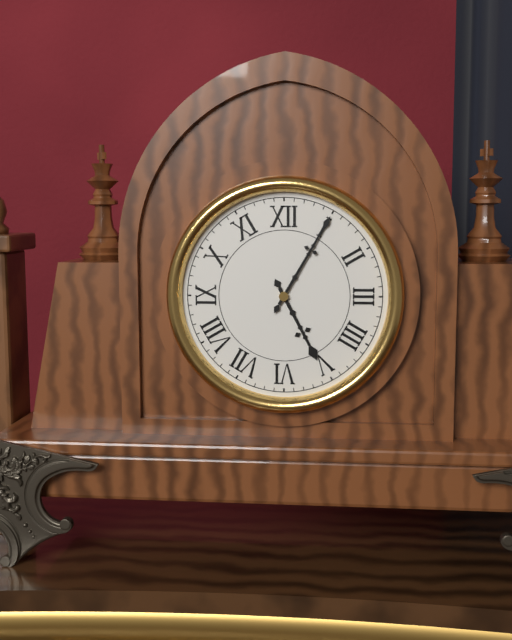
5 h 05 min
